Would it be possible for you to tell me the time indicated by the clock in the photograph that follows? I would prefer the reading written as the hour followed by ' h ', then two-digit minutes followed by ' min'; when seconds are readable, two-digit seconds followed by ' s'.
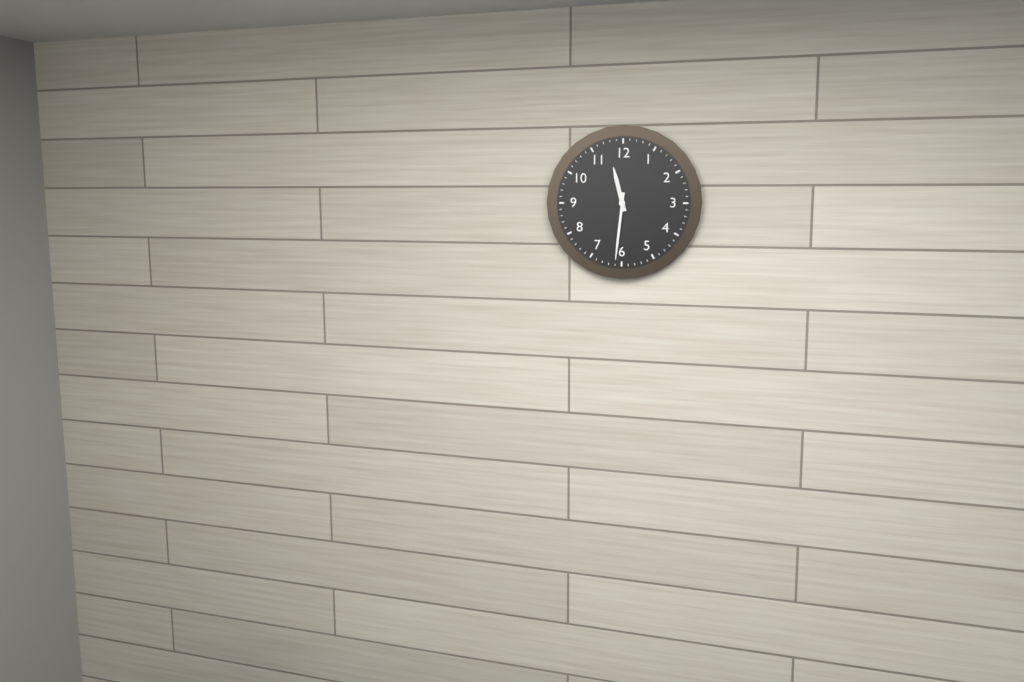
11 h 31 min
